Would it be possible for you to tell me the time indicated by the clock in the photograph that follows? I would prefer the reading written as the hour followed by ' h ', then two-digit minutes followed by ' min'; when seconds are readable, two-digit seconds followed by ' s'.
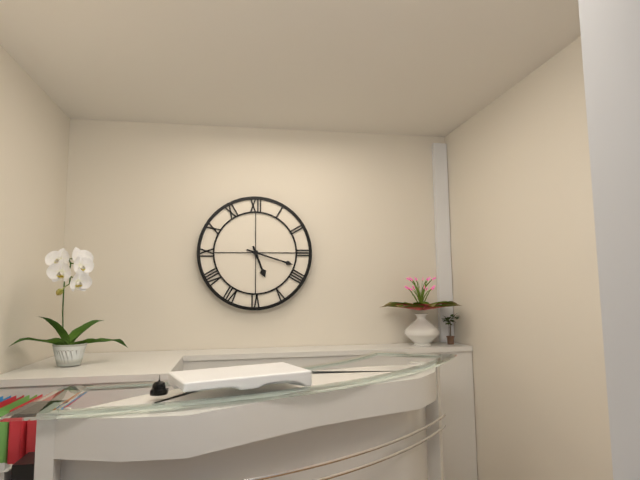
5 h 18 min
